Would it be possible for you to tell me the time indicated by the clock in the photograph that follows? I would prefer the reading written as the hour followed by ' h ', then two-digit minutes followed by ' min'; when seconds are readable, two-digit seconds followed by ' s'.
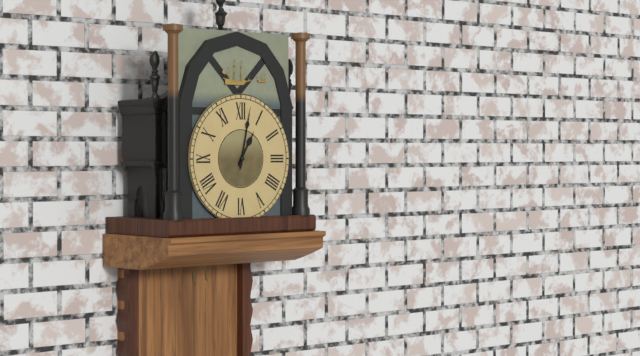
1 h 02 min
